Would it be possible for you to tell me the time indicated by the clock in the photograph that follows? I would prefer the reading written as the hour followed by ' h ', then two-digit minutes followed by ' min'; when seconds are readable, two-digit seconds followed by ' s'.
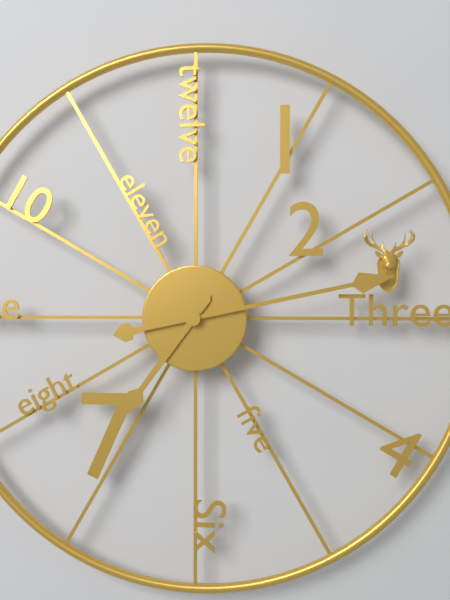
7 h 13 min
